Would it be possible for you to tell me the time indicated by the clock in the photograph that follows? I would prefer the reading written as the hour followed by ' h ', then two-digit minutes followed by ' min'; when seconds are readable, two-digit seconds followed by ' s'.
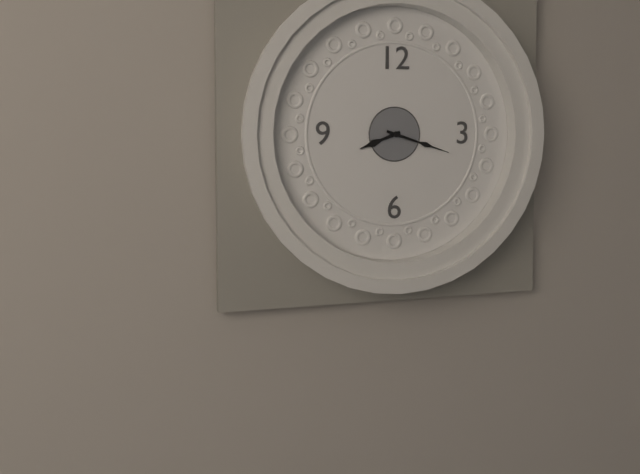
8 h 18 min
